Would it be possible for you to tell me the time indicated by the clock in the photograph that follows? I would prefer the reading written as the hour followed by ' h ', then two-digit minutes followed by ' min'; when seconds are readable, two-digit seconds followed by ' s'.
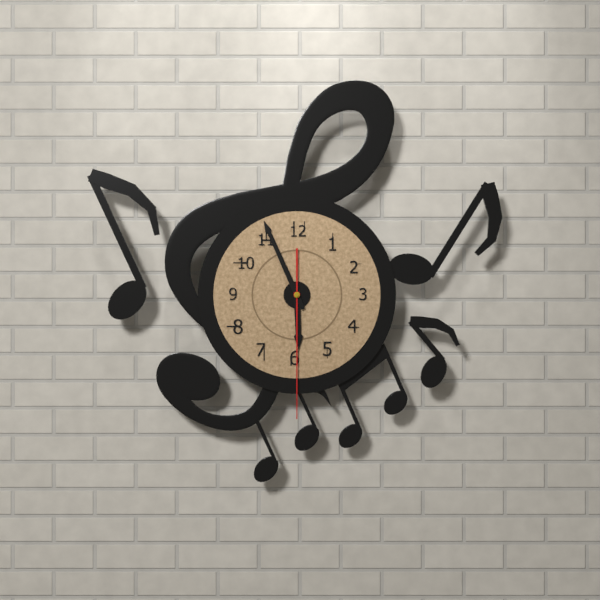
5 h 56 min 30 s
